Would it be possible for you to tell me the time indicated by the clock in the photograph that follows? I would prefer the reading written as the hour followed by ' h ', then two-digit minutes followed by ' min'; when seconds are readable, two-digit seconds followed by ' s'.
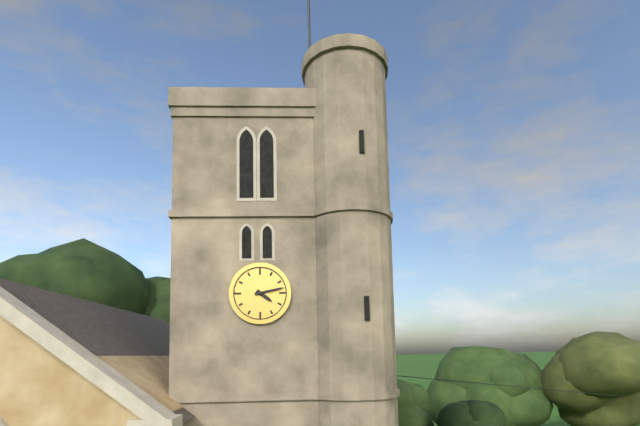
4 h 13 min
